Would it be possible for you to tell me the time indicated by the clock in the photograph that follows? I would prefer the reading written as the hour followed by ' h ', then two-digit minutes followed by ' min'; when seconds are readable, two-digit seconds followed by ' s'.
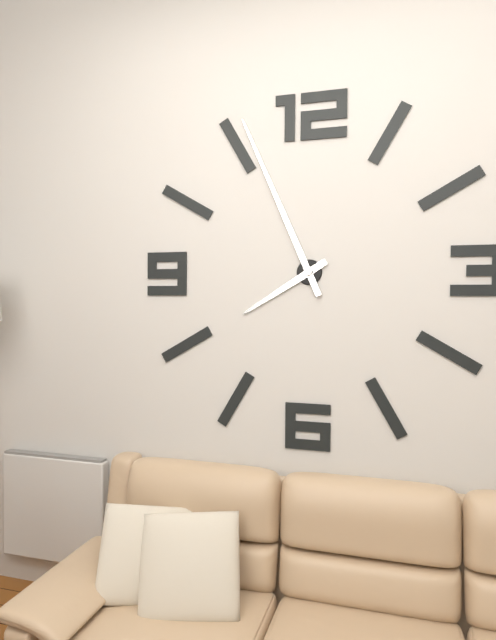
7 h 56 min
